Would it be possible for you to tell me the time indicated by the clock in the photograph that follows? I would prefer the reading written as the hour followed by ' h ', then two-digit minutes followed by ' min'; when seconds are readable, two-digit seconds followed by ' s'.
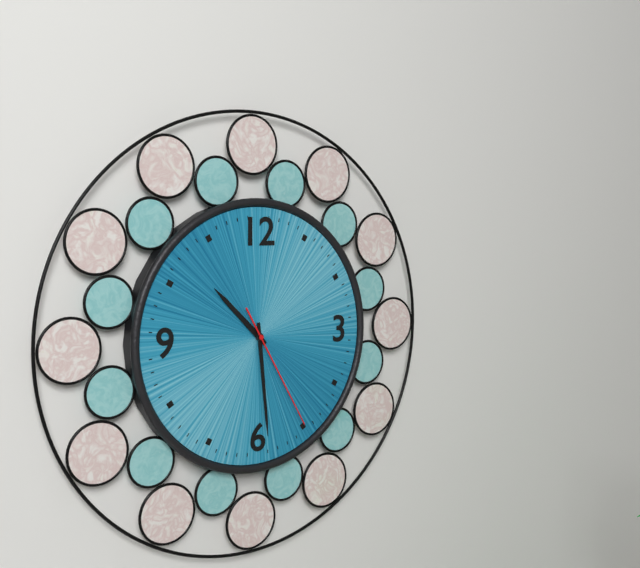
10 h 29 min 25 s
